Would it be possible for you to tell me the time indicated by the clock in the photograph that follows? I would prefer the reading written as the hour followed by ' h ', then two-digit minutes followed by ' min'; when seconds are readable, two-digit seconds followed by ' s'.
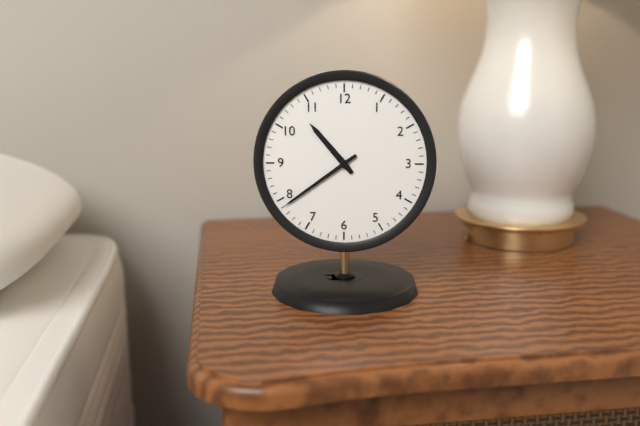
10 h 39 min
